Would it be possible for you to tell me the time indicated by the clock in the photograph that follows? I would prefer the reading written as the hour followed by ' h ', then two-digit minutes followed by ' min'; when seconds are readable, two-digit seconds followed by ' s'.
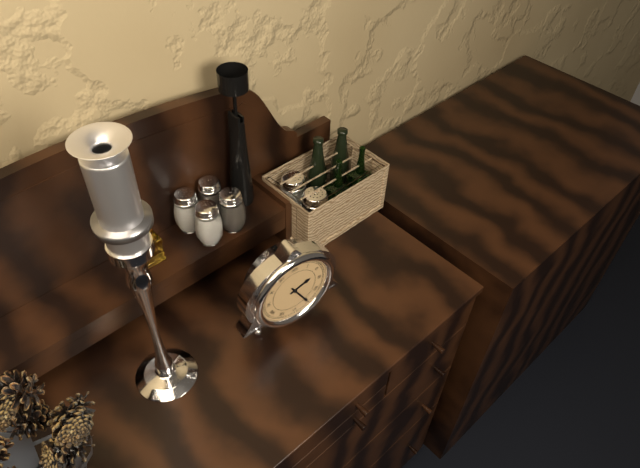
2 h 25 min
